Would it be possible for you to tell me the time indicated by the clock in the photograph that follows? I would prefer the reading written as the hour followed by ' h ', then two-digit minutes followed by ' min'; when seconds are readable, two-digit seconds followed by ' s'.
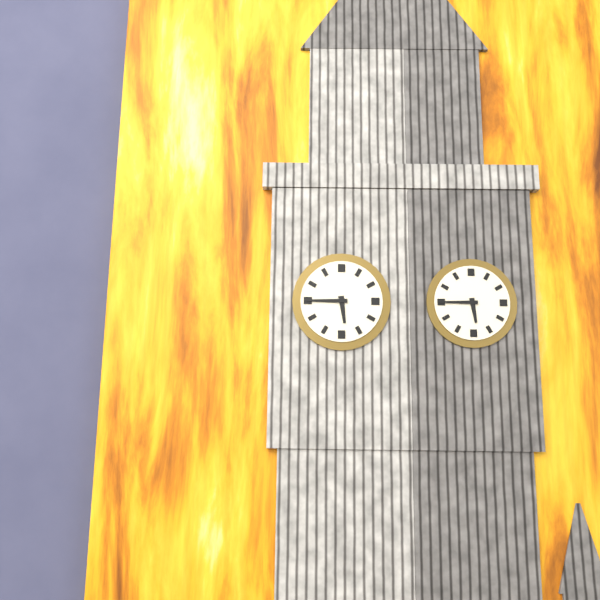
5 h 45 min
